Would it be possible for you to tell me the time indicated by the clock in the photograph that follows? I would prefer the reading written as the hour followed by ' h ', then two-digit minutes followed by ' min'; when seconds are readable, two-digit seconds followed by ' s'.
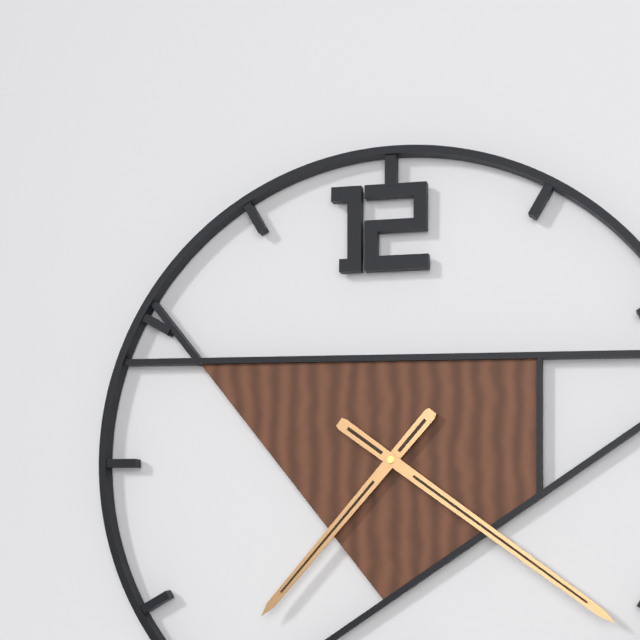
7 h 21 min
